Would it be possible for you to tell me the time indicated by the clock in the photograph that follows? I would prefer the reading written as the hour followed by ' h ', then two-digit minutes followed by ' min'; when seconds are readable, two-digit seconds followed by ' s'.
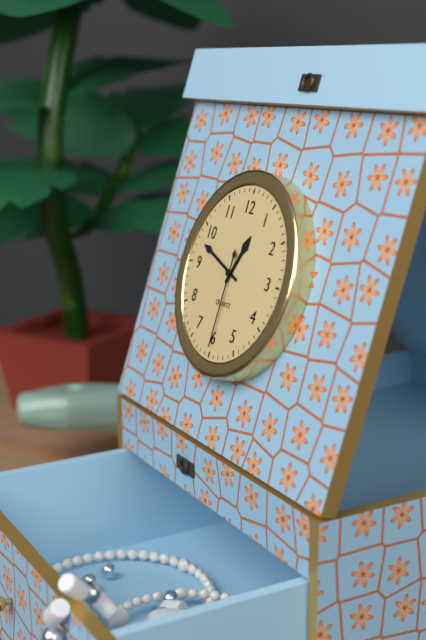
12 h 48 min 30 s
